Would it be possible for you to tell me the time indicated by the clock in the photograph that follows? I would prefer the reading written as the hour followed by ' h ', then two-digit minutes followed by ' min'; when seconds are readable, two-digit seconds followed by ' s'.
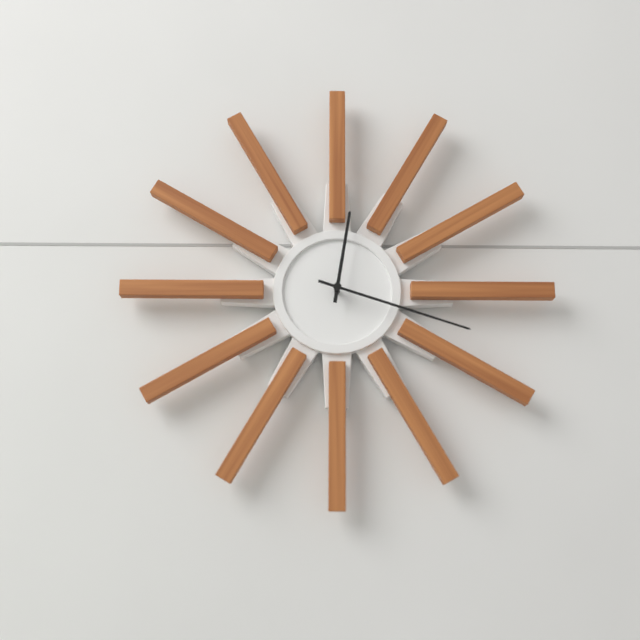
12 h 18 min
